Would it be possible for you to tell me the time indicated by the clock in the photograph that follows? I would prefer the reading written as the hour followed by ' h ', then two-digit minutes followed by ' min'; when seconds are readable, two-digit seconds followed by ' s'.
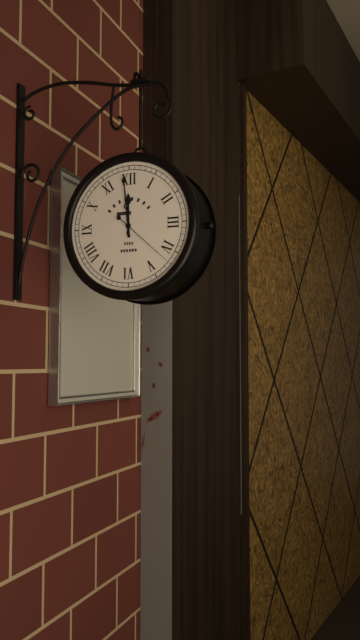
11 h 59 min 22 s
